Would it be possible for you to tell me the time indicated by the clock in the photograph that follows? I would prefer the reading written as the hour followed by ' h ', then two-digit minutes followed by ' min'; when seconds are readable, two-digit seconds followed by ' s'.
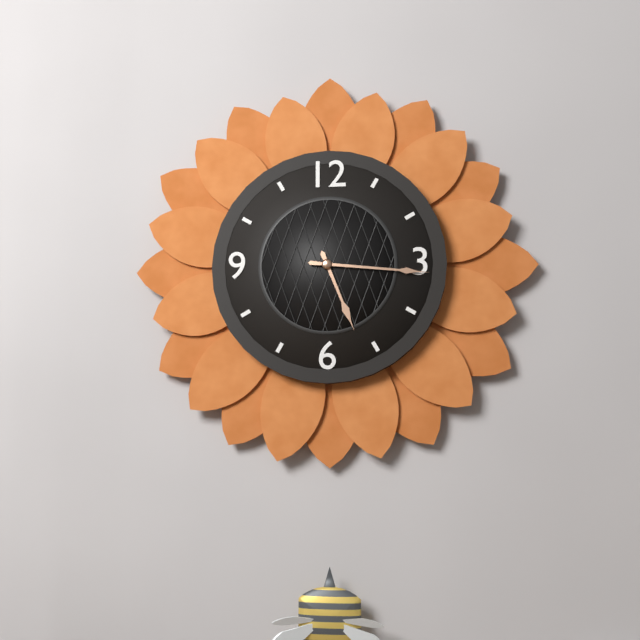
5 h 16 min
